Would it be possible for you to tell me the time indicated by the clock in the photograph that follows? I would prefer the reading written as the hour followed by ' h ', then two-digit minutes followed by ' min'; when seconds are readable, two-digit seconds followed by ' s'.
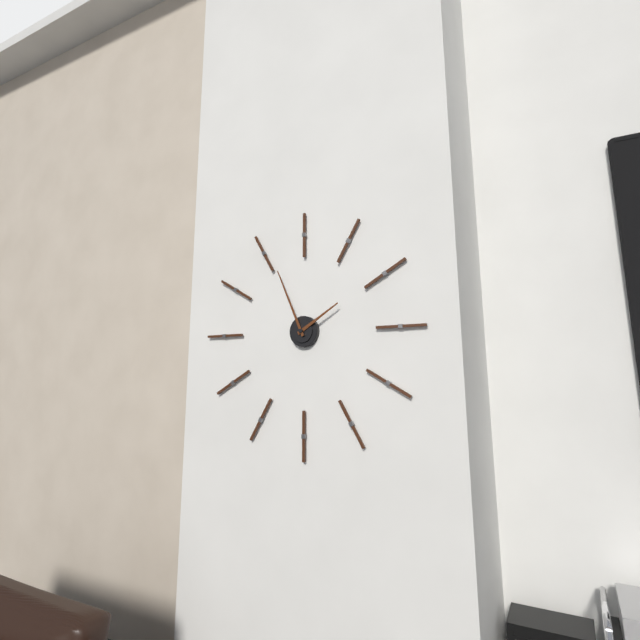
1 h 56 min
